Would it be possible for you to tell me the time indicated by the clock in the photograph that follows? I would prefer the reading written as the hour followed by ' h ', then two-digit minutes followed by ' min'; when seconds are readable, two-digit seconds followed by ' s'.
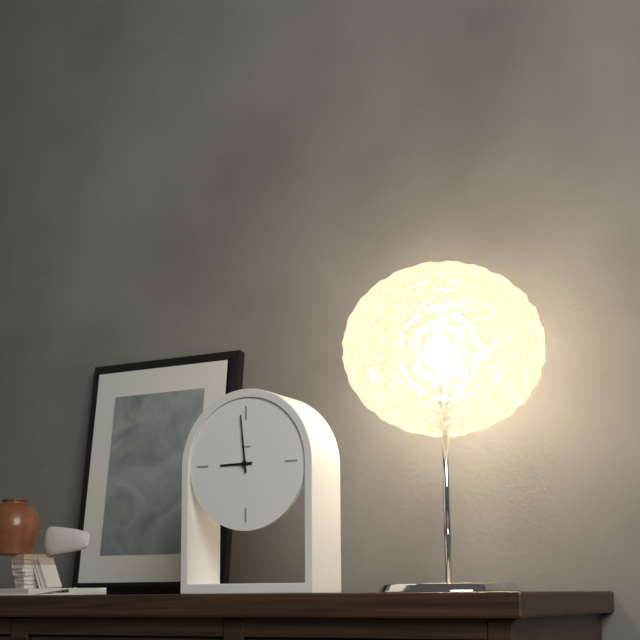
8 h 59 min
